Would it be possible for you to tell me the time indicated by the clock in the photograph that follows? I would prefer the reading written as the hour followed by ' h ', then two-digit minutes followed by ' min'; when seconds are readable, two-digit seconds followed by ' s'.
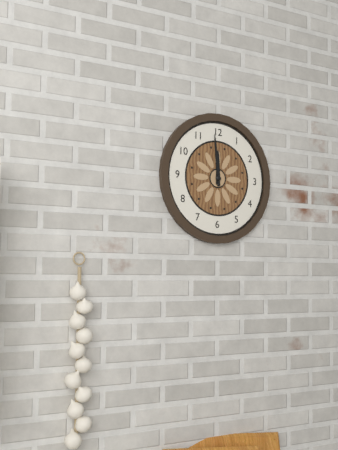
11 h 59 min
